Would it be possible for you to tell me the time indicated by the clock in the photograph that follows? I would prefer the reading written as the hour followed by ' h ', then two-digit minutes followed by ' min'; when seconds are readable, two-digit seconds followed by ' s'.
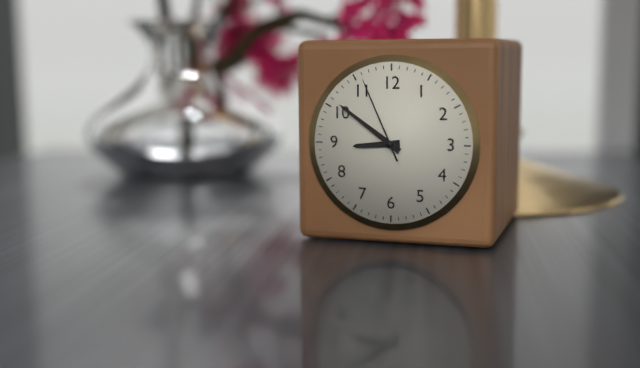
8 h 51 min 56 s
